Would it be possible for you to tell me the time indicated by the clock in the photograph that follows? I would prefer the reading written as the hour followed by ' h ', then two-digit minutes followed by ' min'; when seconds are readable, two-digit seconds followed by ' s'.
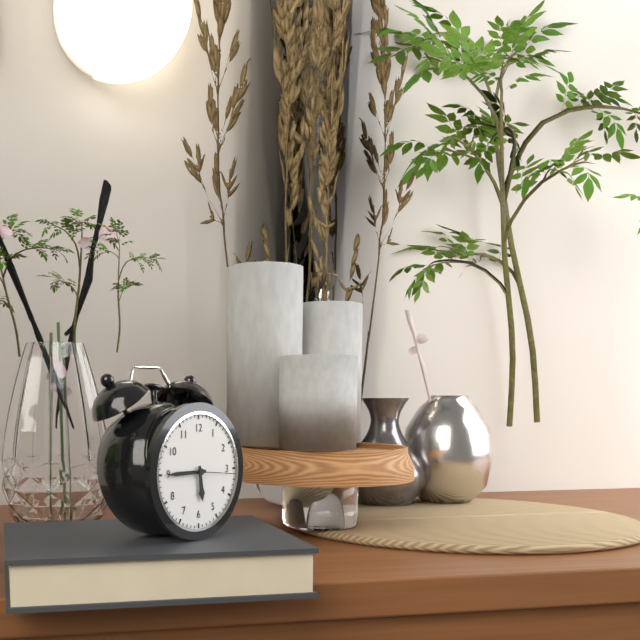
5 h 45 min
